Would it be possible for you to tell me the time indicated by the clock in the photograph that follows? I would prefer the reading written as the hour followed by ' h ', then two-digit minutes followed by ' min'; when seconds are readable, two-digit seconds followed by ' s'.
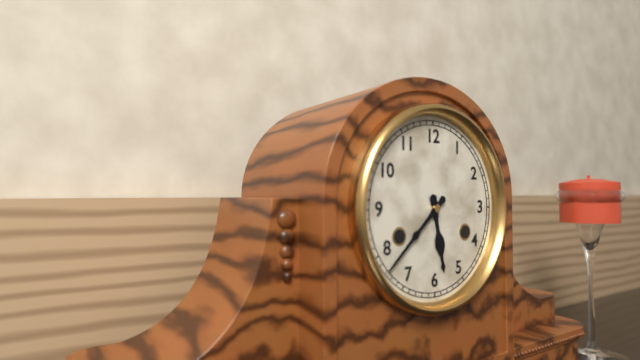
5 h 38 min
